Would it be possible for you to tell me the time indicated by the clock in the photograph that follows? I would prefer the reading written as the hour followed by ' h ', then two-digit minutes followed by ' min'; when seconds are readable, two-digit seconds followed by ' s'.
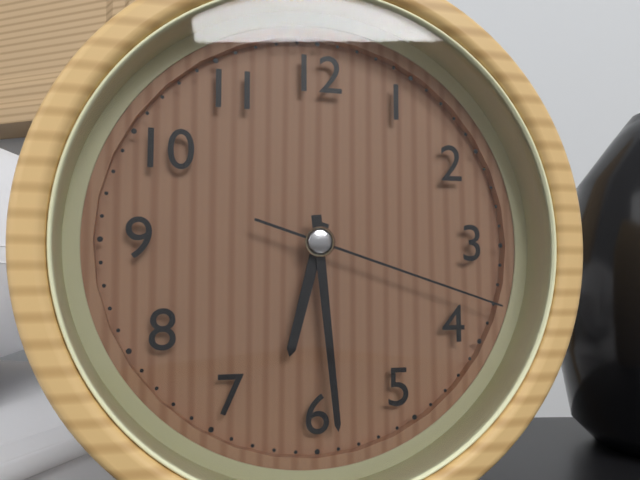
6 h 29 min 18 s
